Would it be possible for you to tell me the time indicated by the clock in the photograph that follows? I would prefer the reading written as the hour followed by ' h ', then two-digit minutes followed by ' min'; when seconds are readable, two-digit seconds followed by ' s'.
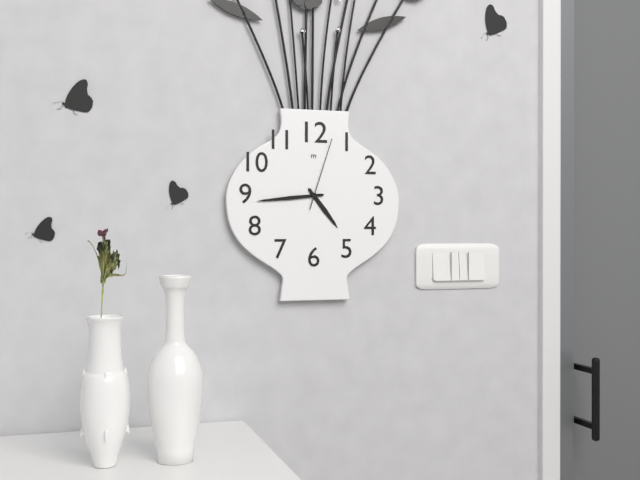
4 h 44 min 03 s
